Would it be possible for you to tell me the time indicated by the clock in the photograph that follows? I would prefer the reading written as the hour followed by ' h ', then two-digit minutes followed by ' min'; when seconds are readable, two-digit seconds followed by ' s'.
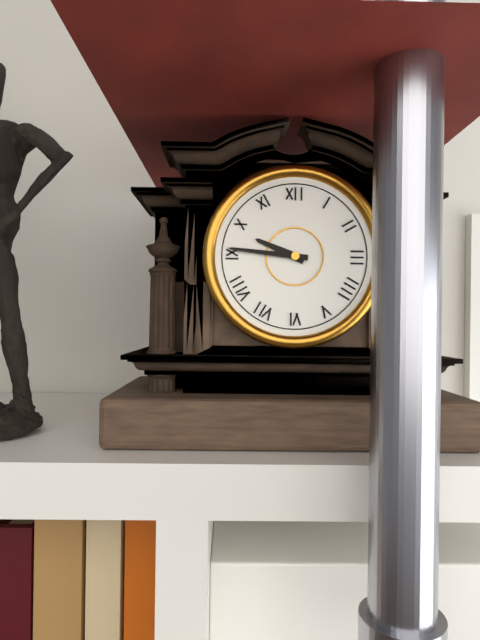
9 h 46 min
